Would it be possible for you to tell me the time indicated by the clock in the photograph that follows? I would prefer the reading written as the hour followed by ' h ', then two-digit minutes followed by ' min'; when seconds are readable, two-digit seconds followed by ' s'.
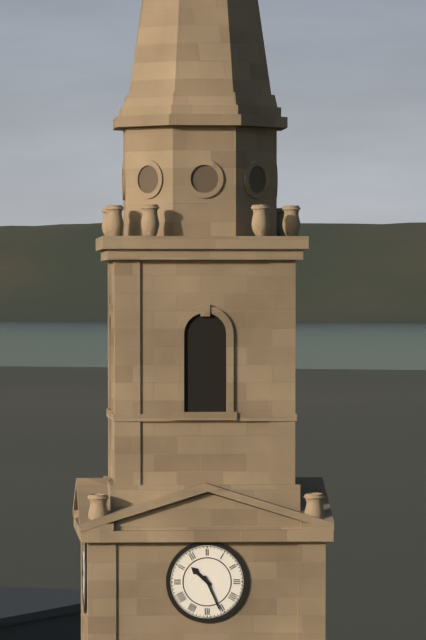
10 h 26 min
